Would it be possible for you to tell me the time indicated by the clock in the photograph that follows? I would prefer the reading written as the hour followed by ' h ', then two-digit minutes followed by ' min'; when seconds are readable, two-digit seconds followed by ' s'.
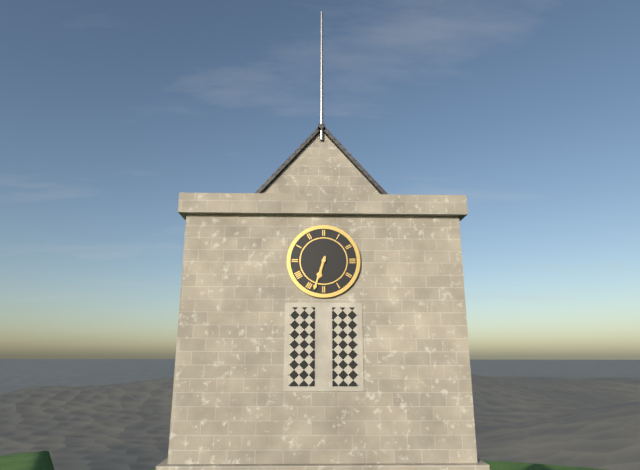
6 h 33 min
